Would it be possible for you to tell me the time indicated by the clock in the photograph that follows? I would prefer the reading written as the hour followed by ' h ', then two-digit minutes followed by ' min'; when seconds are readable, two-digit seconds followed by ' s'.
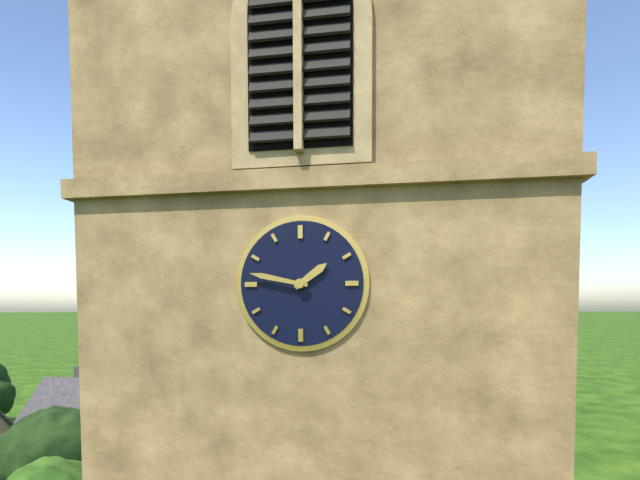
1 h 47 min
